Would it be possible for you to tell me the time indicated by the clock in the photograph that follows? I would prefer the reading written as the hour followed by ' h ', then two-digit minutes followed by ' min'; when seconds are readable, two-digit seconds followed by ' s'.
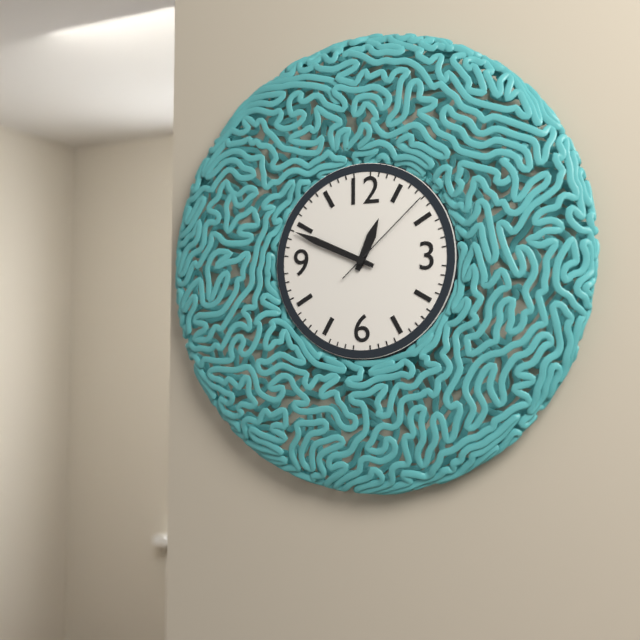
12 h 49 min 08 s
